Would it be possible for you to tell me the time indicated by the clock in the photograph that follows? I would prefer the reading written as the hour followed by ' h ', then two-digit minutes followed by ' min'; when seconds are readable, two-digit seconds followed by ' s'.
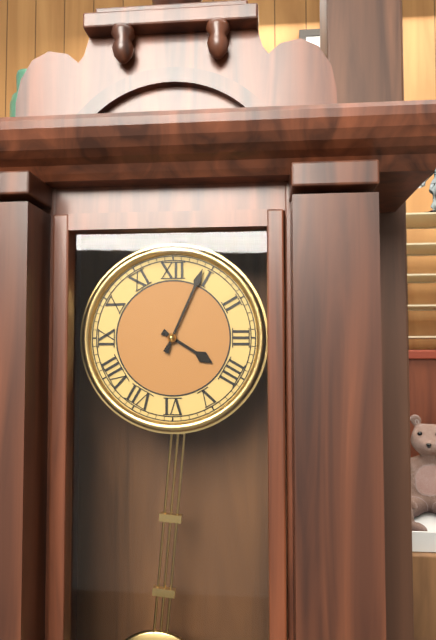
4 h 04 min
